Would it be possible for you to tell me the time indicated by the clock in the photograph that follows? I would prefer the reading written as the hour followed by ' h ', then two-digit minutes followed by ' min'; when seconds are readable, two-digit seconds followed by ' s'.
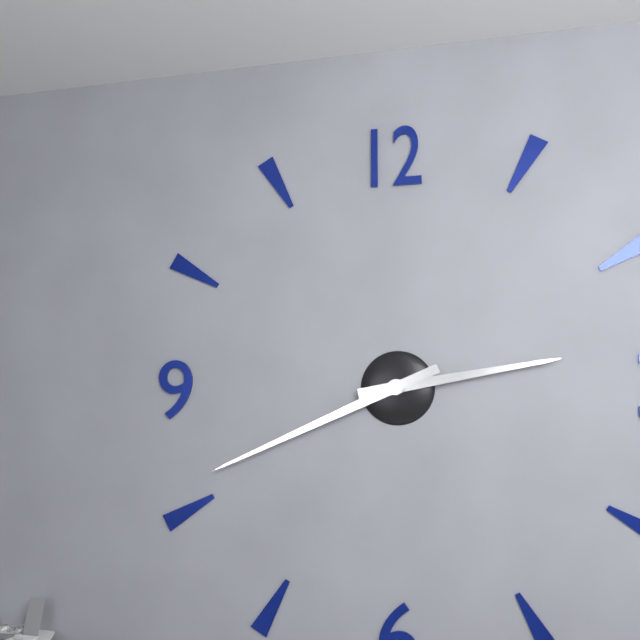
2 h 41 min
